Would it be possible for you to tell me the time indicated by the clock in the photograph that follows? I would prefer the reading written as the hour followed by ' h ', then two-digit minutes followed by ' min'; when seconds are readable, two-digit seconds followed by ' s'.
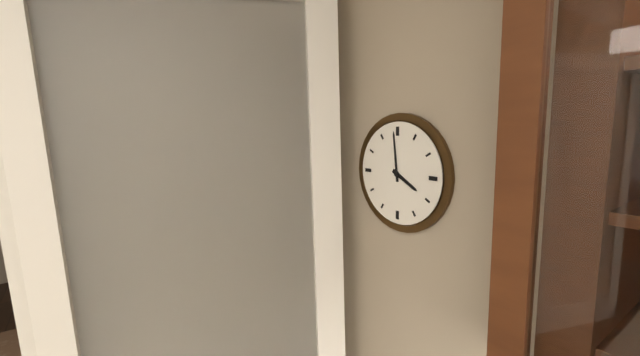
3 h 59 min
